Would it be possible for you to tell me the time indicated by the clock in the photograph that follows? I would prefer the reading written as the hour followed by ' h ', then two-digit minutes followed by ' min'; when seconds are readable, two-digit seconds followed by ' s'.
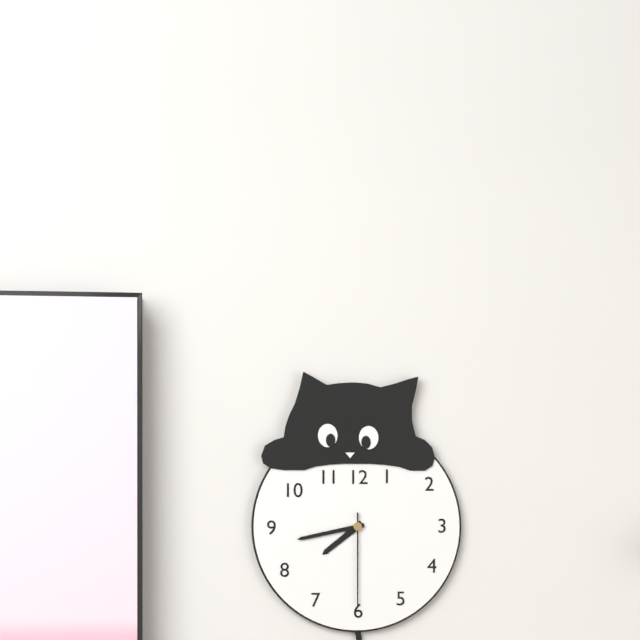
7 h 43 min 30 s
